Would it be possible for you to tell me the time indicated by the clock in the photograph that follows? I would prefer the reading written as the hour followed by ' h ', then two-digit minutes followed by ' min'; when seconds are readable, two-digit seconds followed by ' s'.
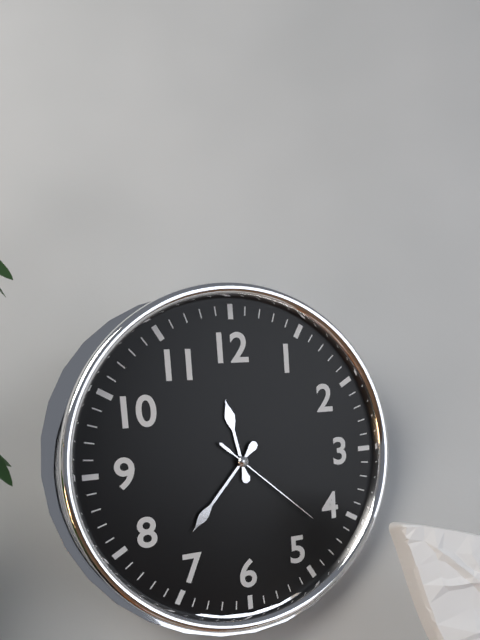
11 h 37 min 22 s
